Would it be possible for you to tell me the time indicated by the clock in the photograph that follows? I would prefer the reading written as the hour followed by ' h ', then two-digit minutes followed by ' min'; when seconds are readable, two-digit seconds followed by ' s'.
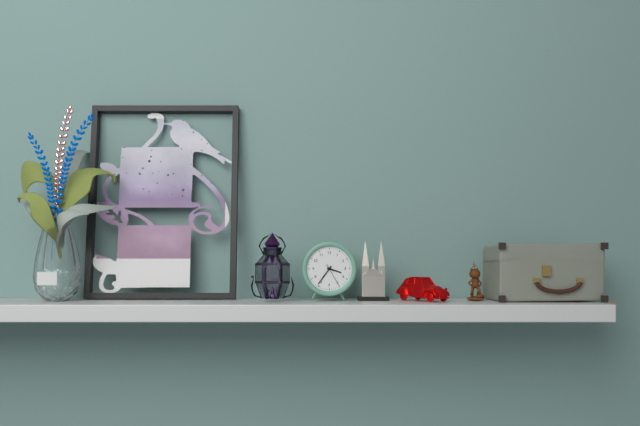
3 h 36 min
